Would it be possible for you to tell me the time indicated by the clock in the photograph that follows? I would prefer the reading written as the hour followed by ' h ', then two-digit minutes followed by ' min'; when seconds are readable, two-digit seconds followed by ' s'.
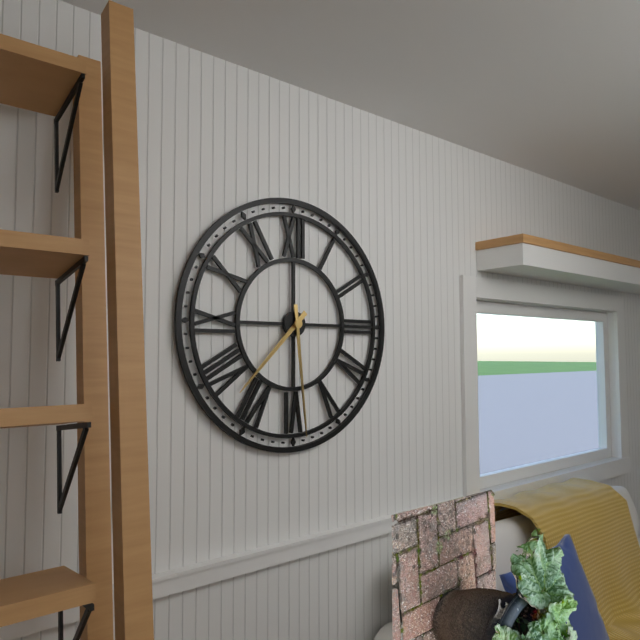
7 h 29 min
